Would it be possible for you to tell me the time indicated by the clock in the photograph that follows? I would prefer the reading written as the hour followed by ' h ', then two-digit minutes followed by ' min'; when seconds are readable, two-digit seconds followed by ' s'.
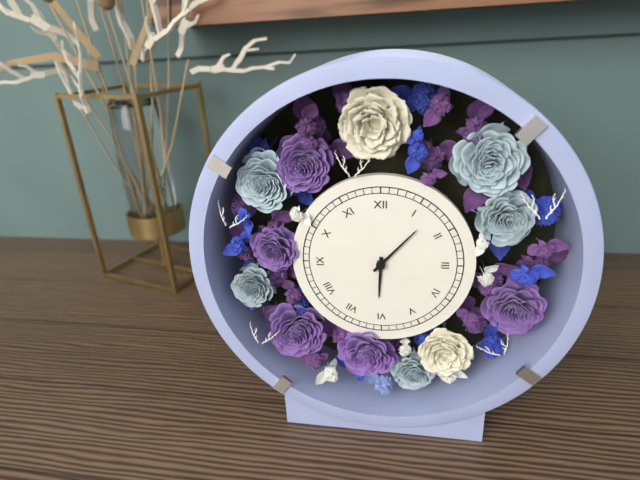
6 h 07 min
